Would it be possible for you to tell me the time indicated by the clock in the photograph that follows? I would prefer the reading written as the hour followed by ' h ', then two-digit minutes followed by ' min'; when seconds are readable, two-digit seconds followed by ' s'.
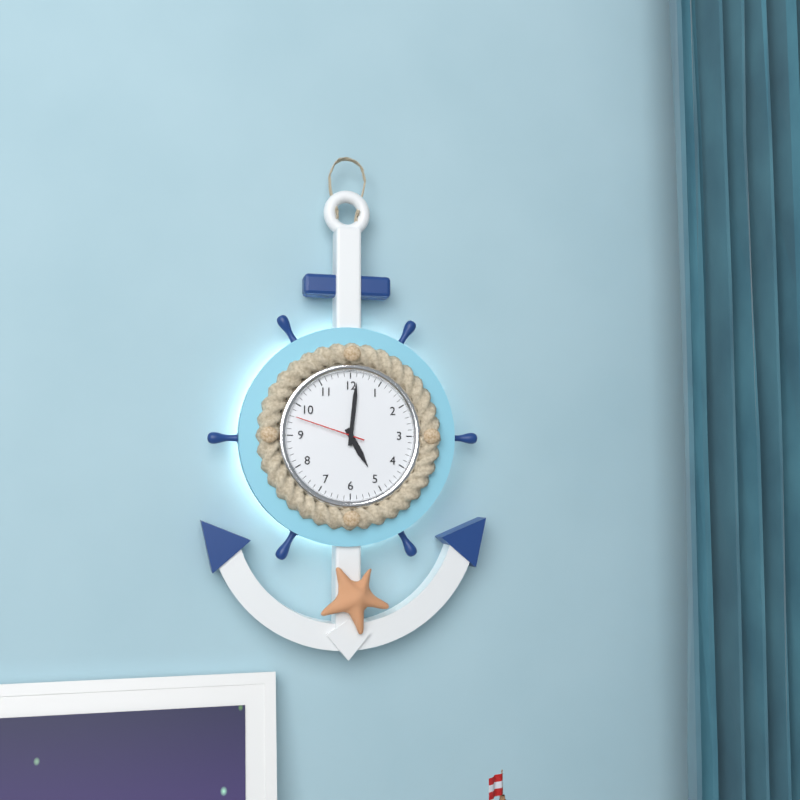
5 h 01 min 48 s
